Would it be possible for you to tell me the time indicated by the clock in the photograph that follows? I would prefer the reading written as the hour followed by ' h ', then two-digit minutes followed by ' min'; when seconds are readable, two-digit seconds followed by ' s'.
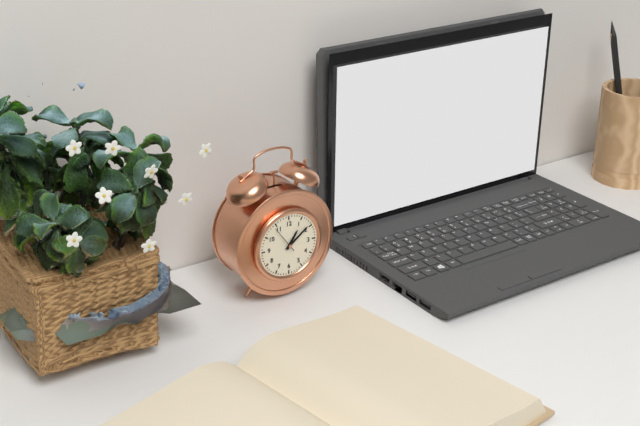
1 h 09 min
